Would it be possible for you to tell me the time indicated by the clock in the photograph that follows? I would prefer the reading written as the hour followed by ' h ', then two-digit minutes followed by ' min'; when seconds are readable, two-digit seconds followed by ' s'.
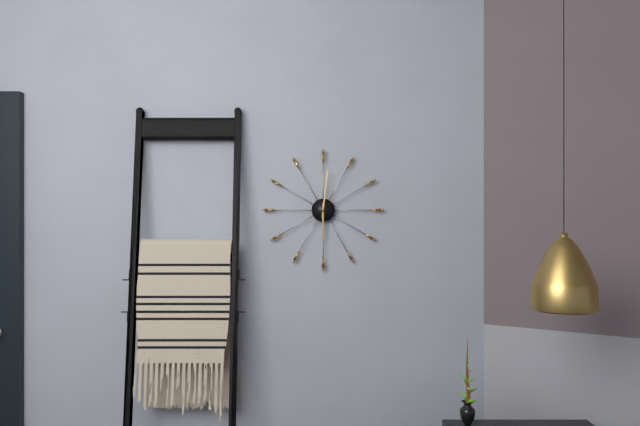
6 h 01 min
